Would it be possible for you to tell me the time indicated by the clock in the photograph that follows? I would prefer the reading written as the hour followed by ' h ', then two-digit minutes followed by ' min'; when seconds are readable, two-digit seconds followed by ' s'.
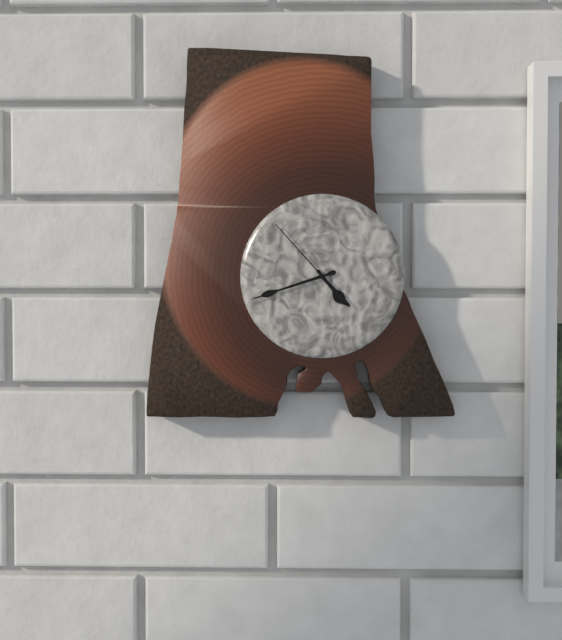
4 h 42 min 53 s
